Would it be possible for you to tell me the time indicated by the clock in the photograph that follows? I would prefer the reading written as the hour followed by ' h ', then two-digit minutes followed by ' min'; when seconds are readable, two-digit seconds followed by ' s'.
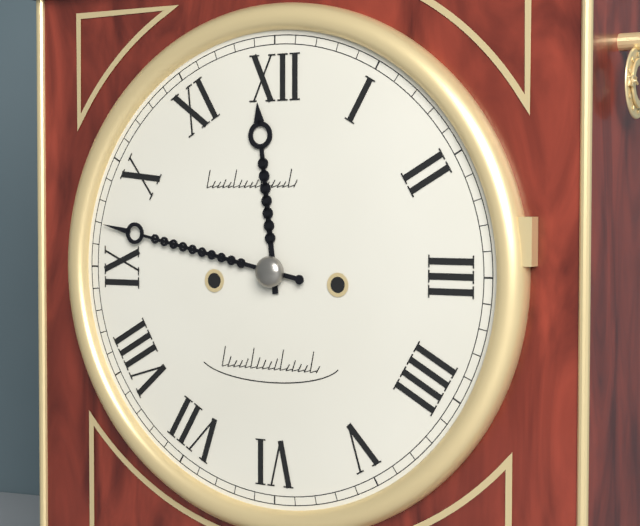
11 h 47 min
